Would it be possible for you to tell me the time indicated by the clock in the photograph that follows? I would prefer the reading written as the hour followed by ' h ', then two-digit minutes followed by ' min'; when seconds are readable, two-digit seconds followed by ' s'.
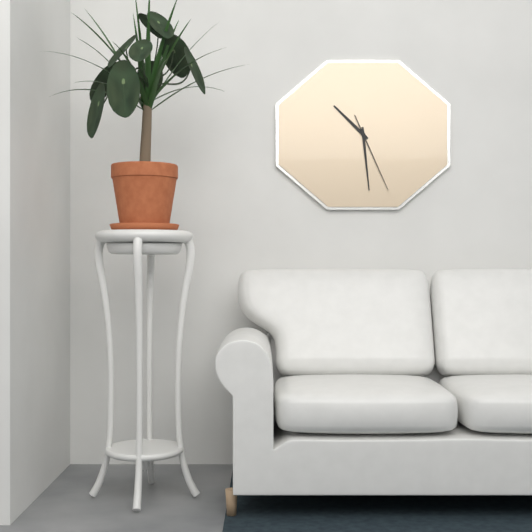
10 h 29 min 26 s
